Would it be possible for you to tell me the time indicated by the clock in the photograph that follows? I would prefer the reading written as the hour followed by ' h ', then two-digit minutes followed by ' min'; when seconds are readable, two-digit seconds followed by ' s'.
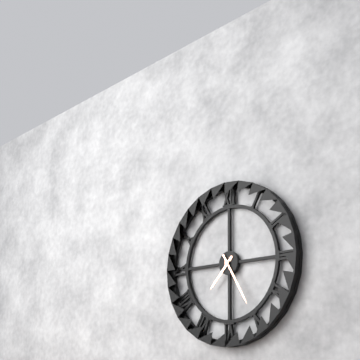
7 h 25 min
